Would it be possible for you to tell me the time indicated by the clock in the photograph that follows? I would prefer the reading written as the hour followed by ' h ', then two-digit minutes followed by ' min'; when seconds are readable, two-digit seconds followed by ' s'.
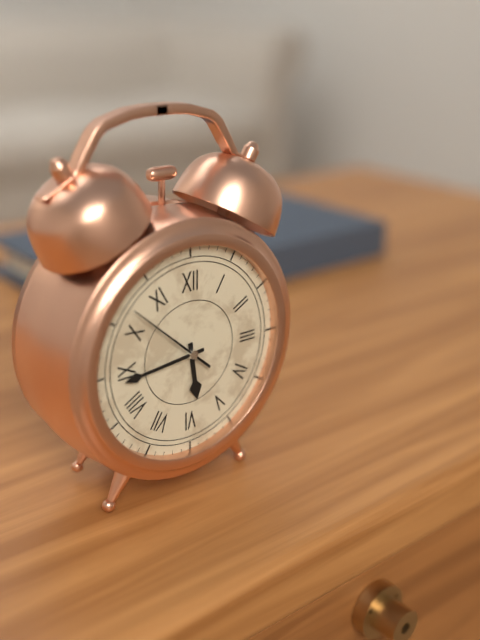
5 h 44 min 52 s
